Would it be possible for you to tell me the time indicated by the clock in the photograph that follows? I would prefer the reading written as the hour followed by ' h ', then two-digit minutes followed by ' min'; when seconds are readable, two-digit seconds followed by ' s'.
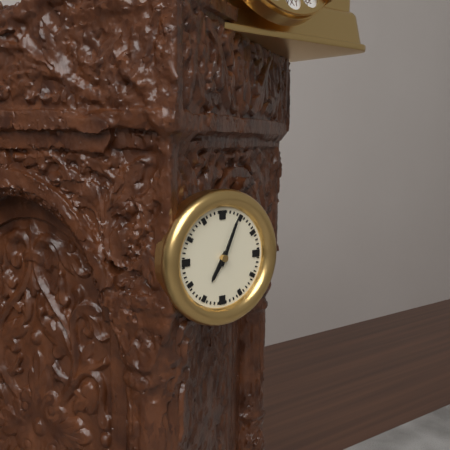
7 h 04 min
